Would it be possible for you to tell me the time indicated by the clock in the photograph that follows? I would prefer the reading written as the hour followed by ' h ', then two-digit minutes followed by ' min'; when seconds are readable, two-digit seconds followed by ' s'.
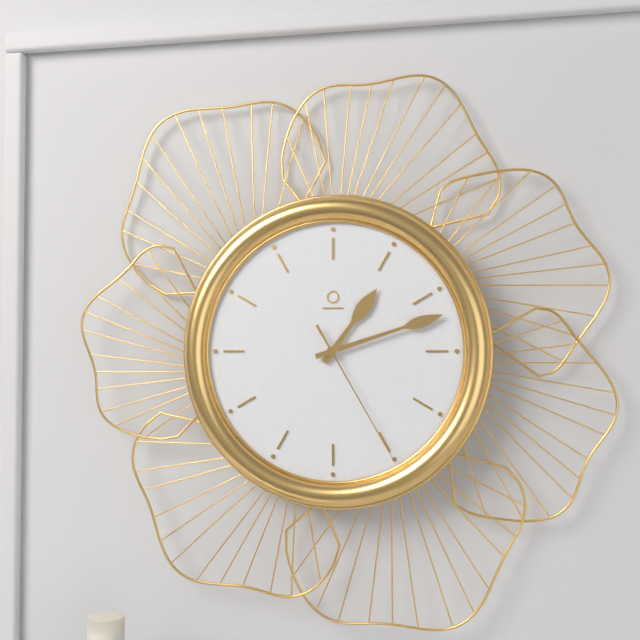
1 h 12 min 25 s
